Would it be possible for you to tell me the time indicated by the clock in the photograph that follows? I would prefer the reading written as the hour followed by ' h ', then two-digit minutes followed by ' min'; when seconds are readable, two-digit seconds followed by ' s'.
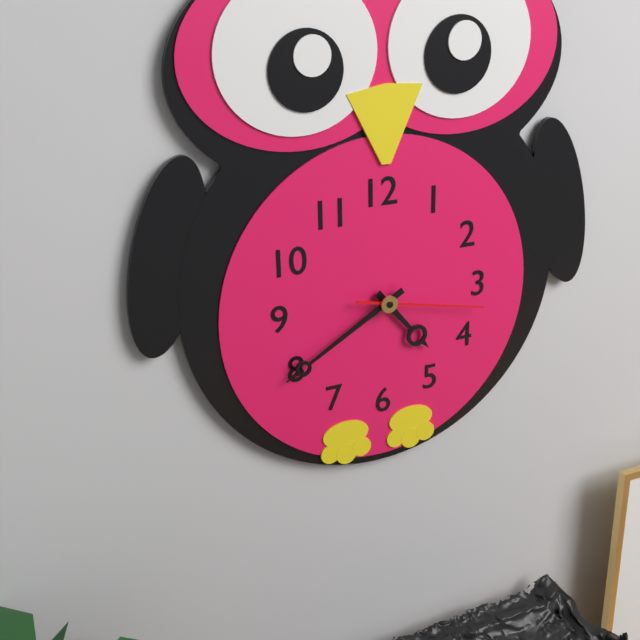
4 h 40 min 17 s
